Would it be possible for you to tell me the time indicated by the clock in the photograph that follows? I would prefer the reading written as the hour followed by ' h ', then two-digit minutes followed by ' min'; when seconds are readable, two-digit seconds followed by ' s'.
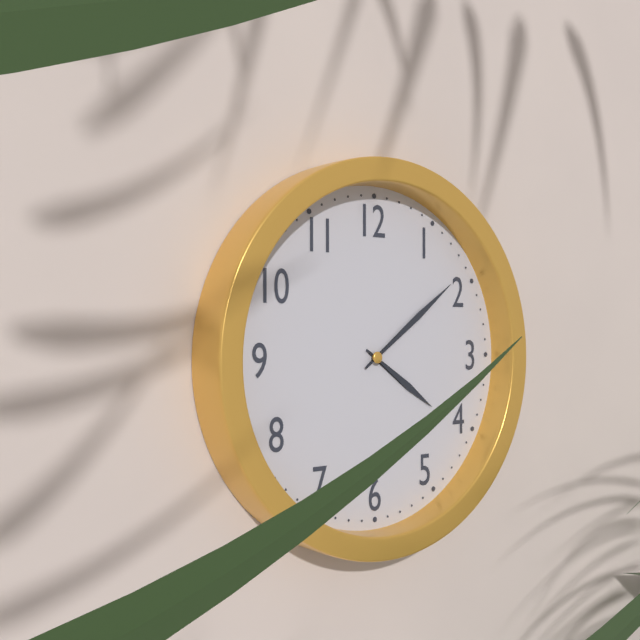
4 h 09 min
